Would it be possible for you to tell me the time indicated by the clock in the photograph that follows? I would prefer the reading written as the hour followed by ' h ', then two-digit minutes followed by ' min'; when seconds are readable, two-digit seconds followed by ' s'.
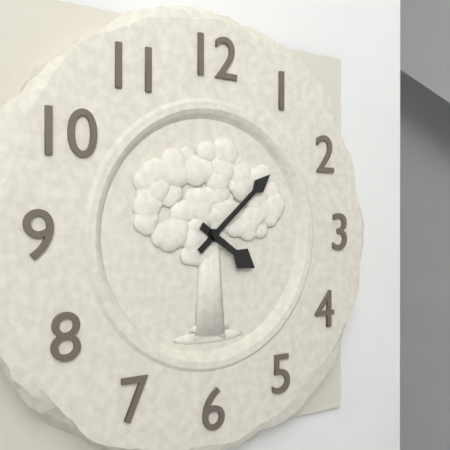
4 h 08 min
